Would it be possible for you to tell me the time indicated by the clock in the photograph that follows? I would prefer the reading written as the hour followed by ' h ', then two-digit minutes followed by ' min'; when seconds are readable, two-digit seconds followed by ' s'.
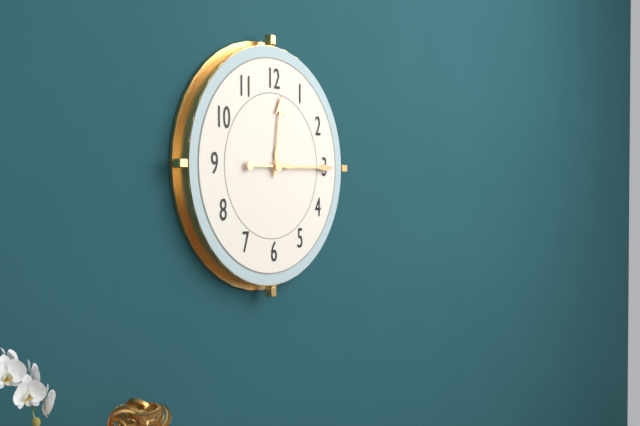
12 h 15 min
